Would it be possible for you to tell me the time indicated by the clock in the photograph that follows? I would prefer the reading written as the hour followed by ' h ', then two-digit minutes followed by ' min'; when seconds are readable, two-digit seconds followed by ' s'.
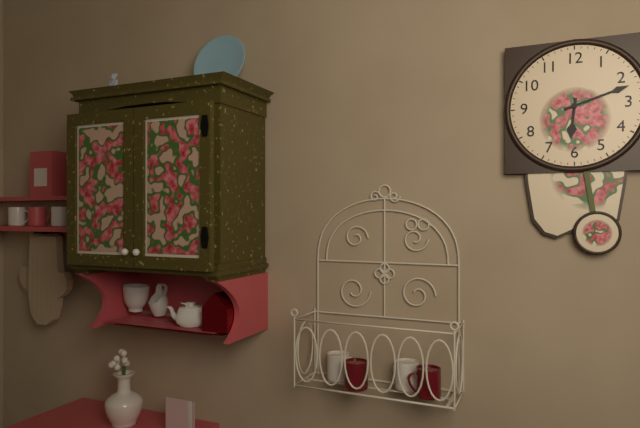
6 h 12 min
